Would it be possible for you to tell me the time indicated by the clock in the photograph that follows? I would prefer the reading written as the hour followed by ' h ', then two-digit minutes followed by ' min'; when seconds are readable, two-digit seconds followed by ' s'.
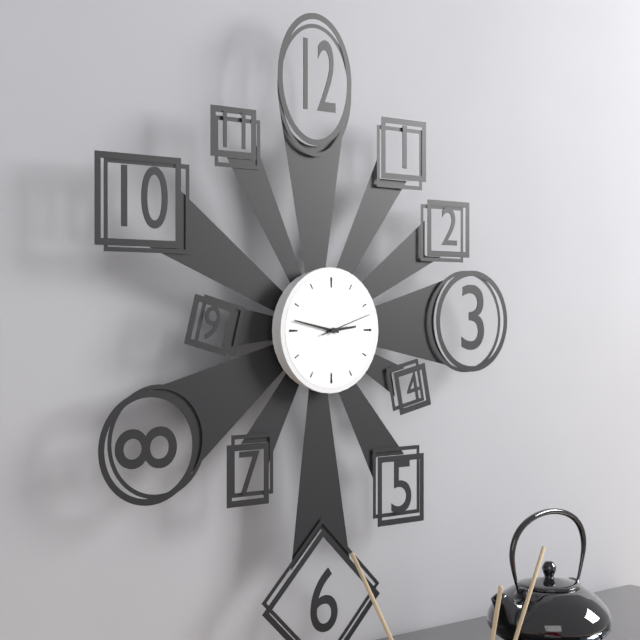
2 h 47 min 12 s
